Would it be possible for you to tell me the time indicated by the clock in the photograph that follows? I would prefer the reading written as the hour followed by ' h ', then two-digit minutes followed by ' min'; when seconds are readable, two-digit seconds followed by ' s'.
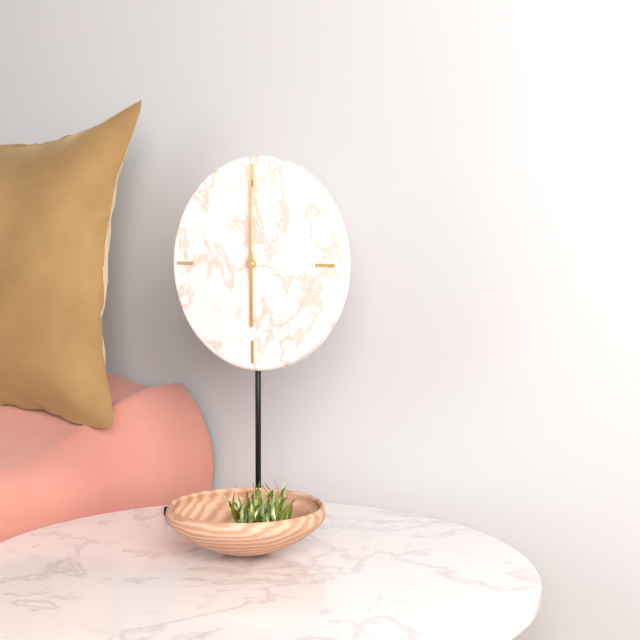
6 h 00 min
